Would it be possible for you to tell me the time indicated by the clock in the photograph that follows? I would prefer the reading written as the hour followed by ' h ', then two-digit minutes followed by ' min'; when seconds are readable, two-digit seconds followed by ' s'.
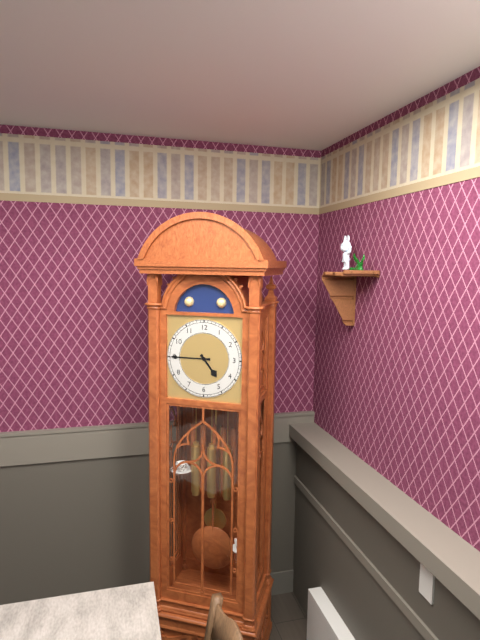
4 h 45 min
